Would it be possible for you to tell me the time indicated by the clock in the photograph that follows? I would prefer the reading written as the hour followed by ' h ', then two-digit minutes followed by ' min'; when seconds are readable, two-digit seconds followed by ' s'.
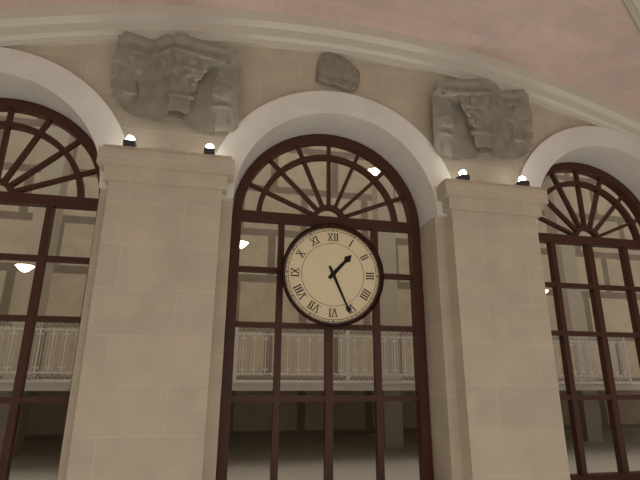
1 h 26 min
